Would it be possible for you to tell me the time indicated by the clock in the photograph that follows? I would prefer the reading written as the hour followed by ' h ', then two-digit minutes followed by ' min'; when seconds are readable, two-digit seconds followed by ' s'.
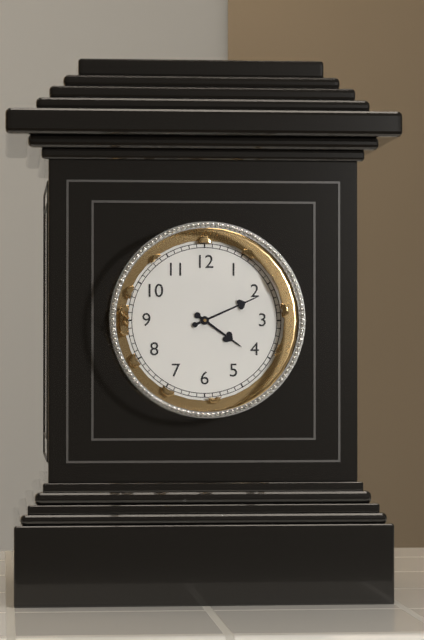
4 h 11 min
